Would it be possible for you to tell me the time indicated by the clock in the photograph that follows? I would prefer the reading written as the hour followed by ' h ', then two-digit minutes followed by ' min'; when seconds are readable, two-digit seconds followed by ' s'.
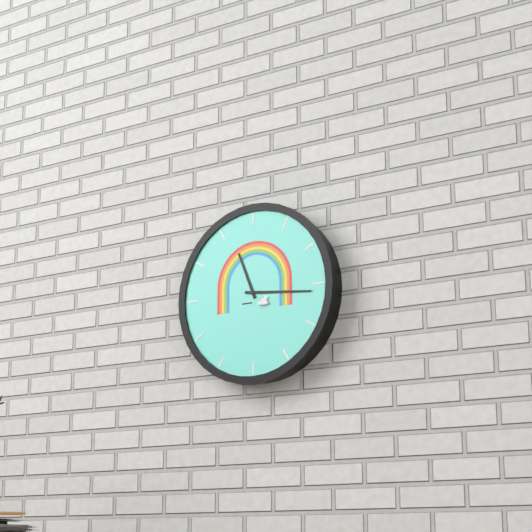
11 h 16 min
